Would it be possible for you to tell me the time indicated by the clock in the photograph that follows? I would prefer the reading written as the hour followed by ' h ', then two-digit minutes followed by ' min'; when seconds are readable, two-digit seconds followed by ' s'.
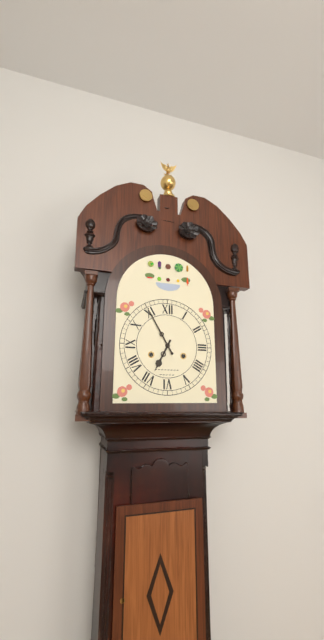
6 h 55 min
